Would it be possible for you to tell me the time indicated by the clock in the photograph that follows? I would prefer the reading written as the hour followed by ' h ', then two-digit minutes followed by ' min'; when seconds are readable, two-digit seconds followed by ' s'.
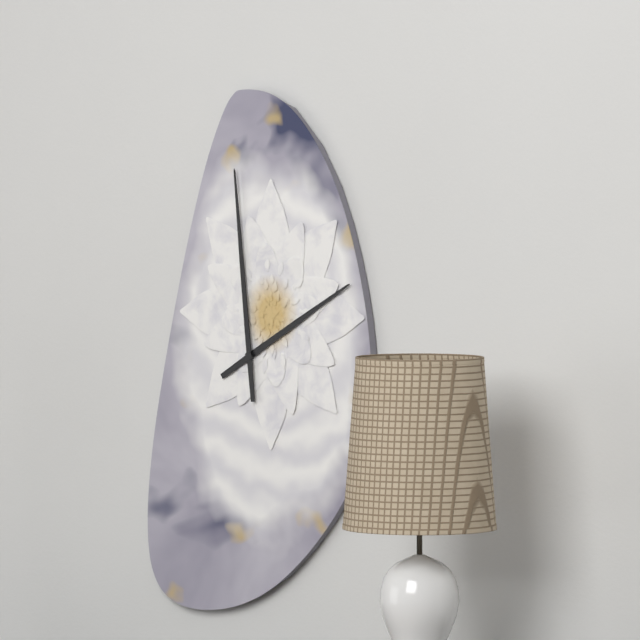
1 h 59 min
